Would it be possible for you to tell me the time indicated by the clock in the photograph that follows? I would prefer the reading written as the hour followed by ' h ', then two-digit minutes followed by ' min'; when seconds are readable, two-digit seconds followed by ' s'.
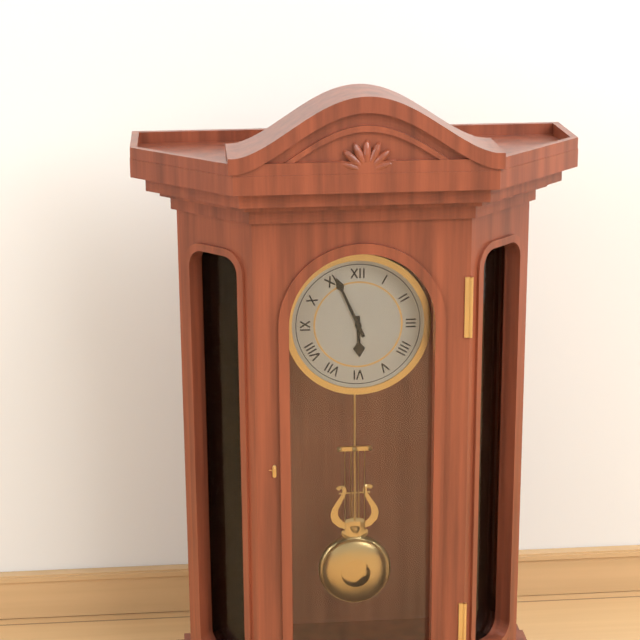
5 h 56 min
